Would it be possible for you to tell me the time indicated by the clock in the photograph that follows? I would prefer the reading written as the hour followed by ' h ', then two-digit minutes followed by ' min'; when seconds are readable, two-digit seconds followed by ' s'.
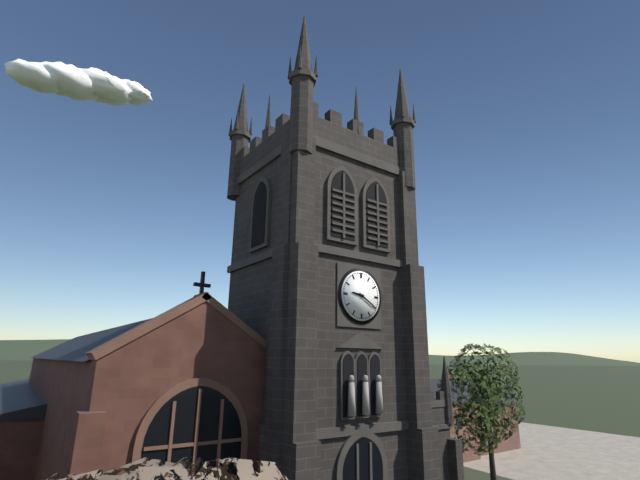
9 h 20 min
